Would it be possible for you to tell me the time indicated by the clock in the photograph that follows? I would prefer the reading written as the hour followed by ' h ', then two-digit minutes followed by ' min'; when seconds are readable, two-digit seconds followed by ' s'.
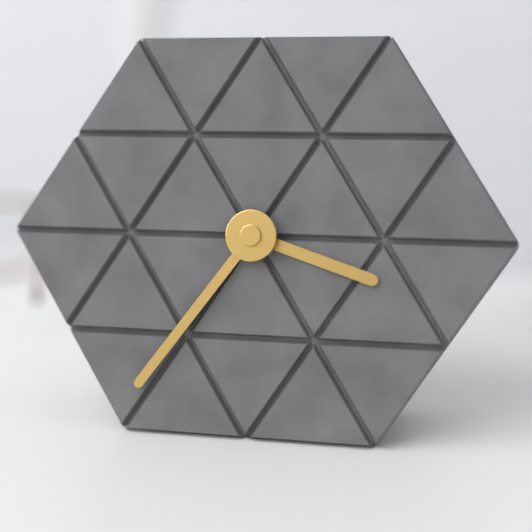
3 h 36 min
